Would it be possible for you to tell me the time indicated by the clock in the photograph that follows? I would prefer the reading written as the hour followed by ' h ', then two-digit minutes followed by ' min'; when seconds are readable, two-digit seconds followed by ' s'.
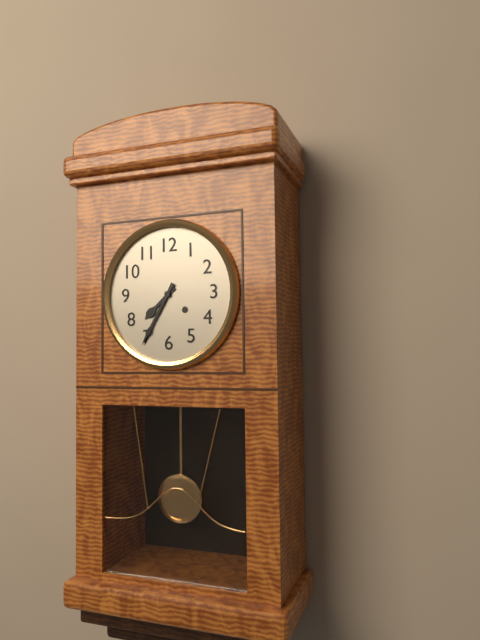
7 h 35 min
